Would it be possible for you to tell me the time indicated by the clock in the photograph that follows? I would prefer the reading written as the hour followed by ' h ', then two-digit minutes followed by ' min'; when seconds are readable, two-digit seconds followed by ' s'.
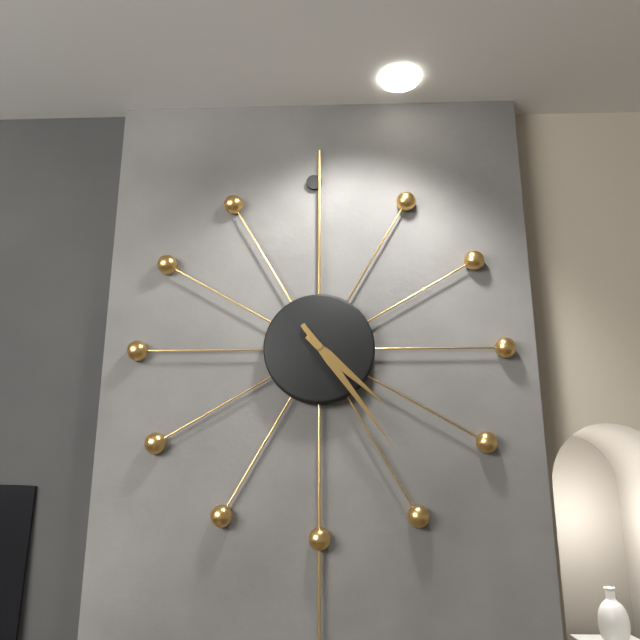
4 h 24 min
